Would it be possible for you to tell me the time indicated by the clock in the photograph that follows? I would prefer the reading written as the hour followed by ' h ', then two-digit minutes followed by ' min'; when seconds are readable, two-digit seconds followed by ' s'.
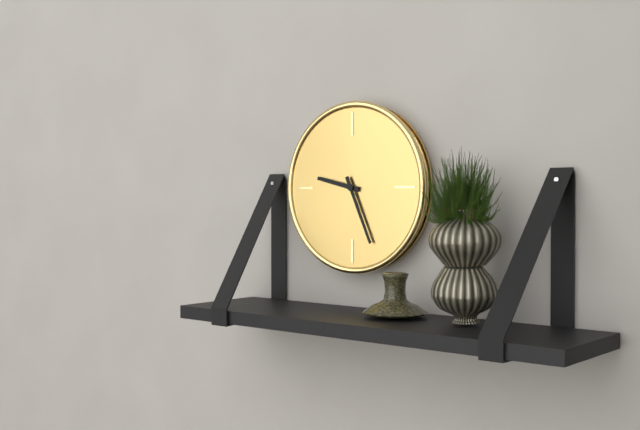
9 h 26 min
